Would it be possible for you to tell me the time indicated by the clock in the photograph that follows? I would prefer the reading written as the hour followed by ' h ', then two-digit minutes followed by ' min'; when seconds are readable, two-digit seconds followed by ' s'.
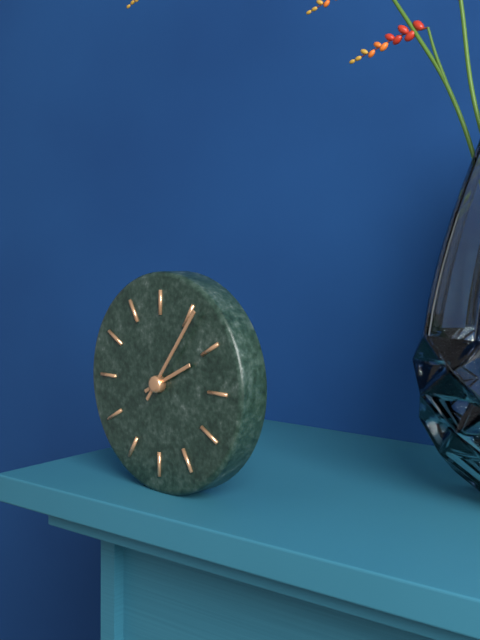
2 h 06 min
